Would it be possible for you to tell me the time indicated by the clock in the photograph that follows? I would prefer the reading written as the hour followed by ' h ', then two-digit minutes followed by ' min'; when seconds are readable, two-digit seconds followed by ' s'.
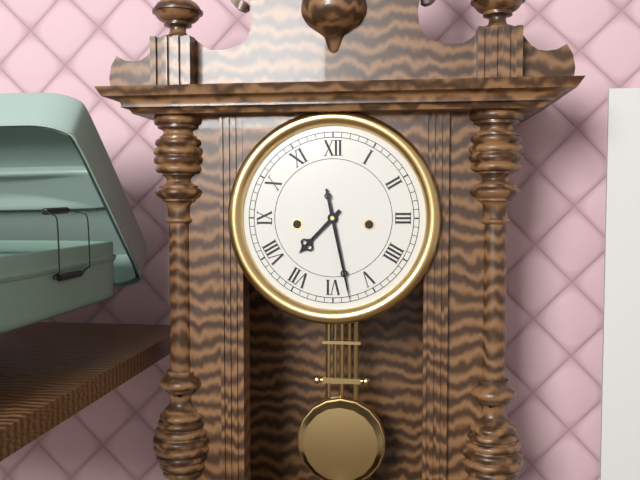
7 h 28 min
